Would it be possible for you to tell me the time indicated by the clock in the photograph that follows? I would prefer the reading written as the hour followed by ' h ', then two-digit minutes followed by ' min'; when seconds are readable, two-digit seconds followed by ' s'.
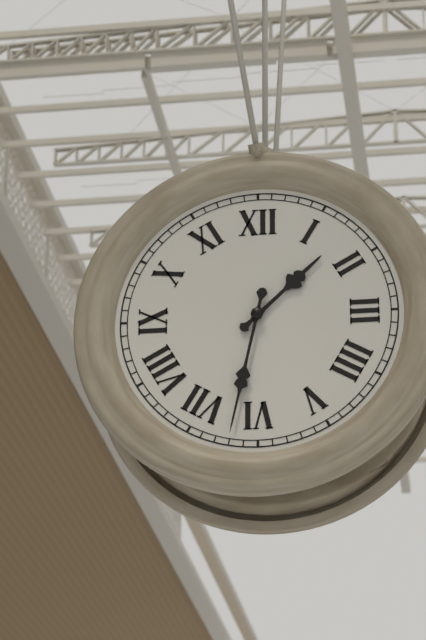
1 h 32 min
